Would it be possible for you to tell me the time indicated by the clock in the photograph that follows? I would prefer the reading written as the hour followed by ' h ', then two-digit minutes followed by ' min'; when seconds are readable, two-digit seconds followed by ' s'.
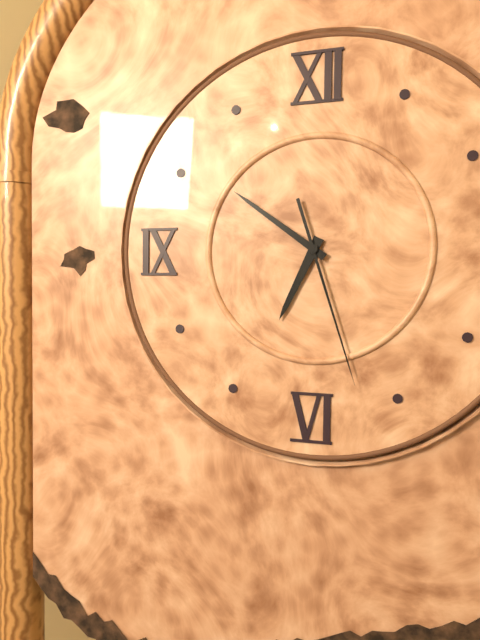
6 h 51 min 27 s
